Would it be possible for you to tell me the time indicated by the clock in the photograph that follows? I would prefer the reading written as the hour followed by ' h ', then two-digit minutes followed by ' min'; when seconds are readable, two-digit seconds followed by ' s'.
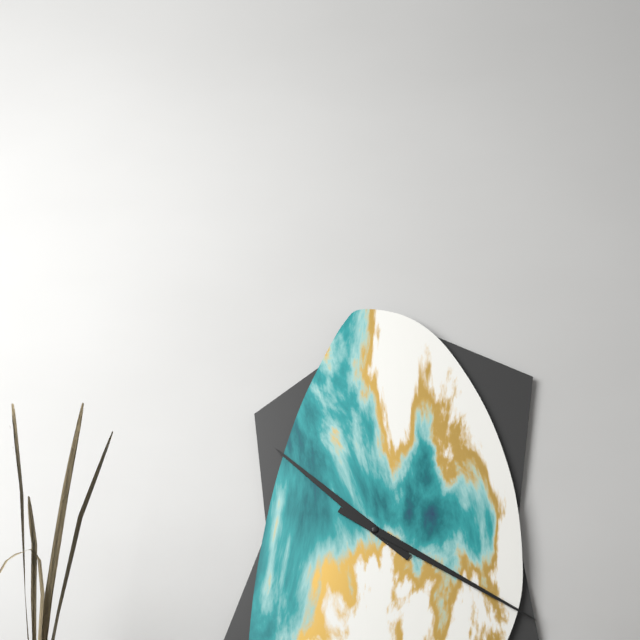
10 h 20 min
